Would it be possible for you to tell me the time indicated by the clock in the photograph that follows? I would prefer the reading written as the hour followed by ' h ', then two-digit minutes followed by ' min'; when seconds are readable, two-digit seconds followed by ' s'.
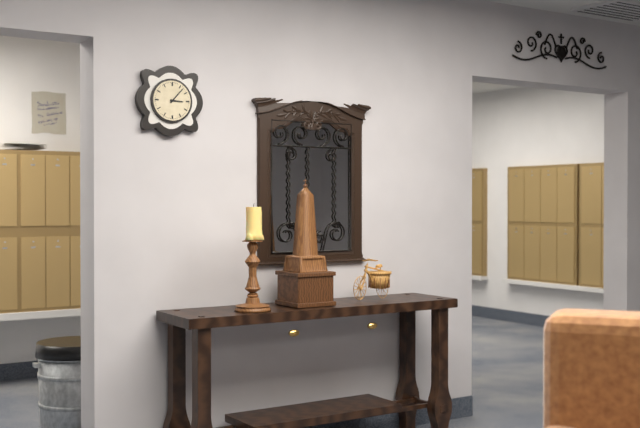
3 h 07 min
